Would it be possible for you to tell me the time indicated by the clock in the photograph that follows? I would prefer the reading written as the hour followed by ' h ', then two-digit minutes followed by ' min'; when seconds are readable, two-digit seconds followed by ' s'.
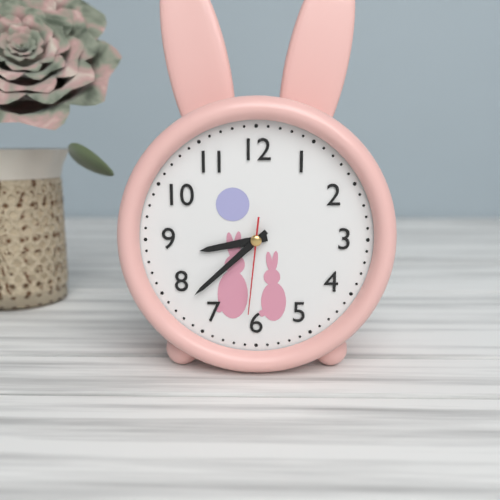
8 h 38 min 31 s
